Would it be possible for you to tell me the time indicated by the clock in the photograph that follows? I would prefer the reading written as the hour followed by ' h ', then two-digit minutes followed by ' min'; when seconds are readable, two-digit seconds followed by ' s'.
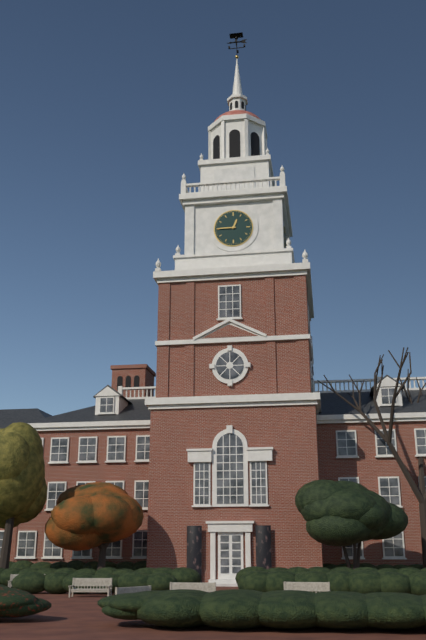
12 h 45 min
